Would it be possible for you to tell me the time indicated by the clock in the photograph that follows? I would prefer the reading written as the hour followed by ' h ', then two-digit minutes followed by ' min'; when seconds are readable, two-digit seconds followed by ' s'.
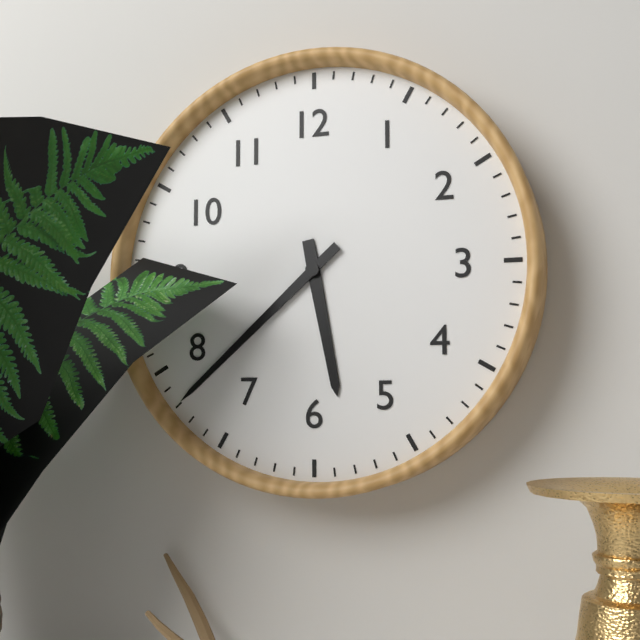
5 h 38 min
